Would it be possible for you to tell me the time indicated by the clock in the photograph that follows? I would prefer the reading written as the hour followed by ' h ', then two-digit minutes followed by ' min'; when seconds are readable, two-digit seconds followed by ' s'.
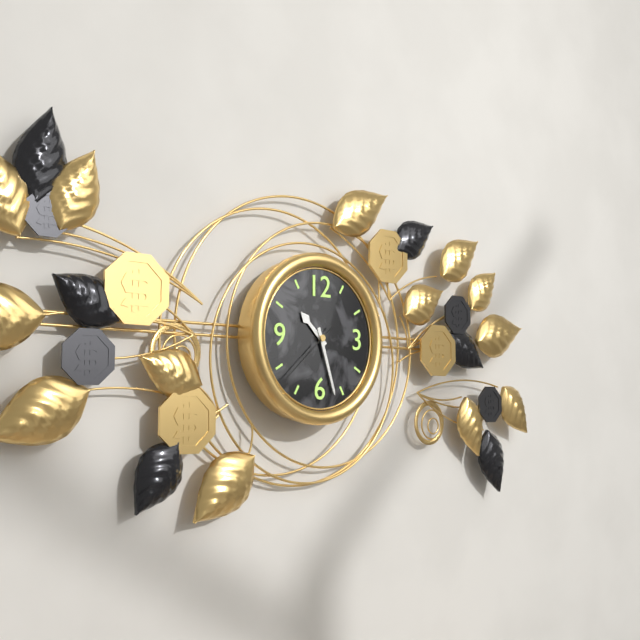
10 h 27 min 38 s
